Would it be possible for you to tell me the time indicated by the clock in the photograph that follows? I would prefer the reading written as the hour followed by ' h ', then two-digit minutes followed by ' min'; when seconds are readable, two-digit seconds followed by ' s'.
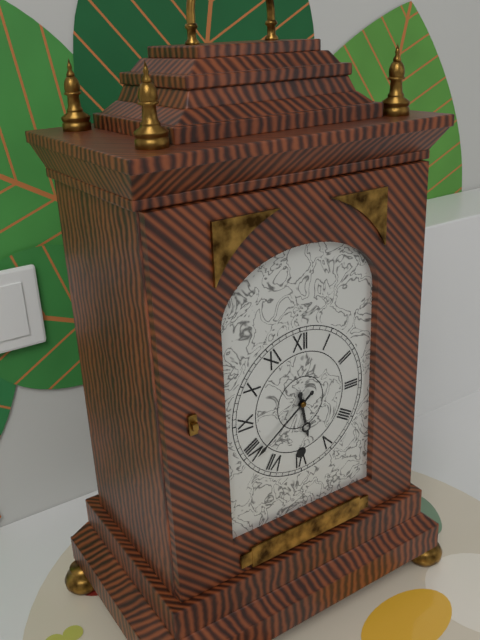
5 h 39 min
